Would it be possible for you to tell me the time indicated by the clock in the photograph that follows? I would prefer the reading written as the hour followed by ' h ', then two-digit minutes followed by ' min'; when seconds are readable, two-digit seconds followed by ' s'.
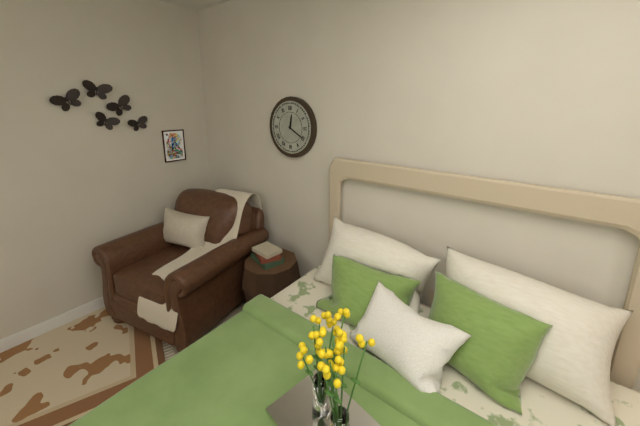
12 h 20 min
